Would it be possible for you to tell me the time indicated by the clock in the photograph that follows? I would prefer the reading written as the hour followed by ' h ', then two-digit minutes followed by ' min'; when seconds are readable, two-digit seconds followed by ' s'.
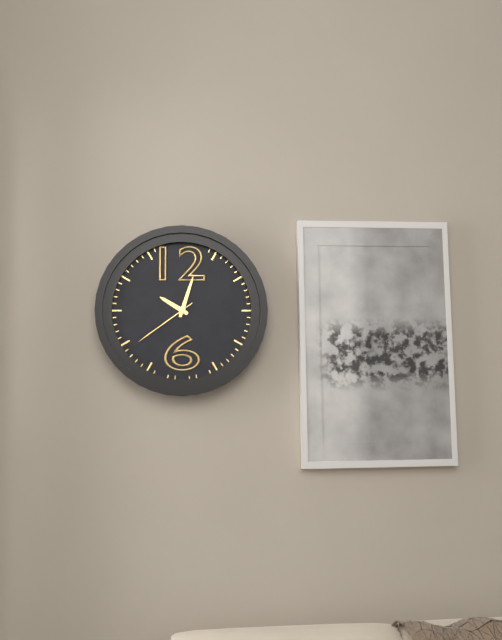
10 h 03 min 39 s
